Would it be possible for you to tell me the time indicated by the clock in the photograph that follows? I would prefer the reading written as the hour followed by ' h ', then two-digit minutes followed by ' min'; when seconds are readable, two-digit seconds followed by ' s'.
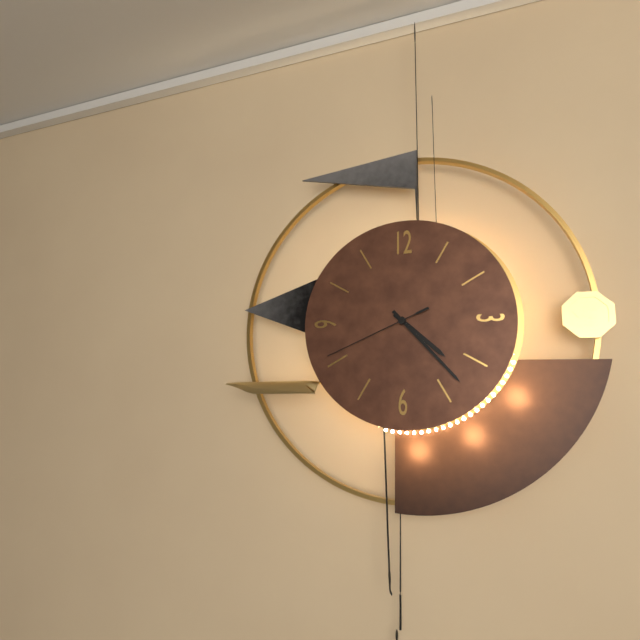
4 h 23 min 41 s
